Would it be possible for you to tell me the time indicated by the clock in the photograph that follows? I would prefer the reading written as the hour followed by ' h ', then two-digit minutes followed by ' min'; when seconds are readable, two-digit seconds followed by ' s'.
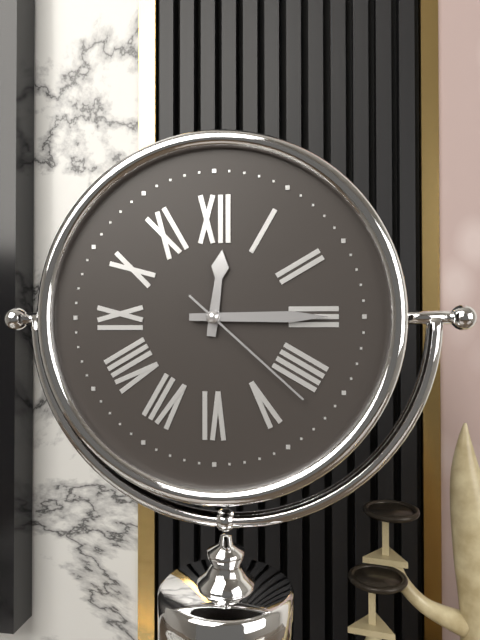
12 h 15 min 22 s
